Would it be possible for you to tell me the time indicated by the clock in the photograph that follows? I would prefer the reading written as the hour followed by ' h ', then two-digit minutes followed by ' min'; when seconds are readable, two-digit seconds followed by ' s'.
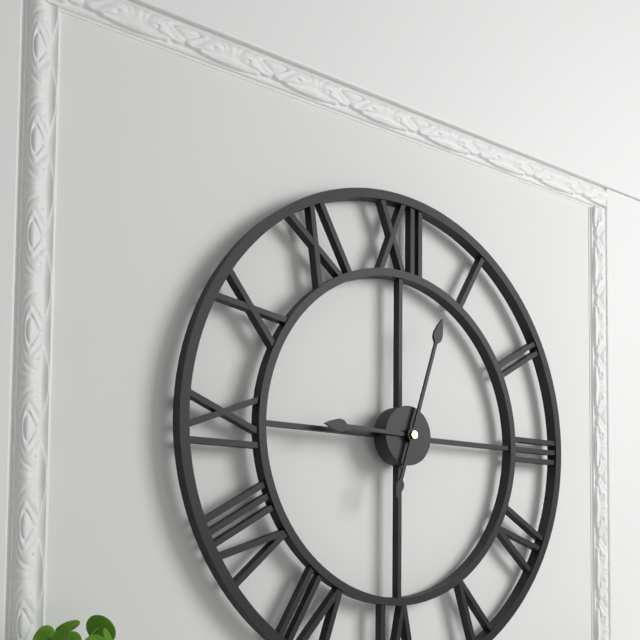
9 h 03 min
